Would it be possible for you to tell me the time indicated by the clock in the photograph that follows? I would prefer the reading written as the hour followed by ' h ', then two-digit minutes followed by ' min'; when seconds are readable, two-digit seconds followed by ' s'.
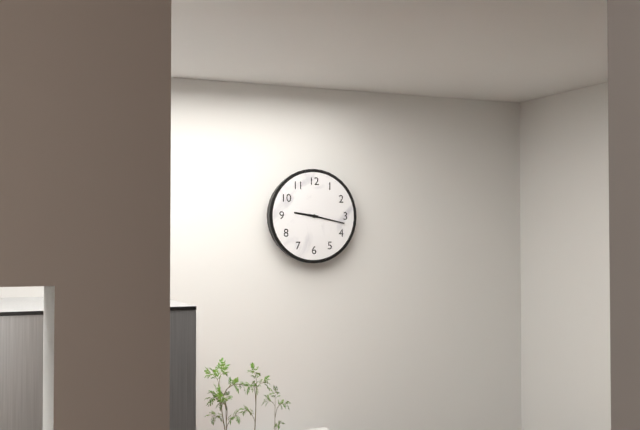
9 h 17 min
